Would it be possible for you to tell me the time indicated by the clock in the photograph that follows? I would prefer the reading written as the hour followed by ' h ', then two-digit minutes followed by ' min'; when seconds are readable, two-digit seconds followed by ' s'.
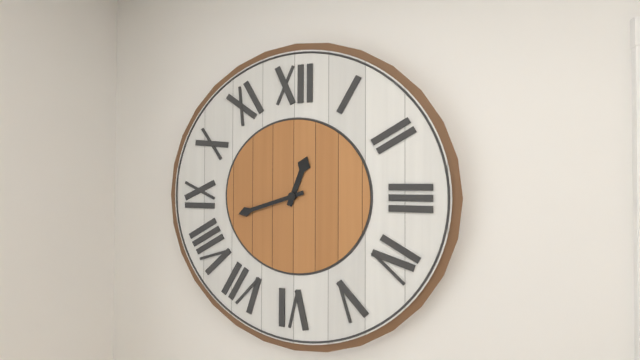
12 h 42 min
